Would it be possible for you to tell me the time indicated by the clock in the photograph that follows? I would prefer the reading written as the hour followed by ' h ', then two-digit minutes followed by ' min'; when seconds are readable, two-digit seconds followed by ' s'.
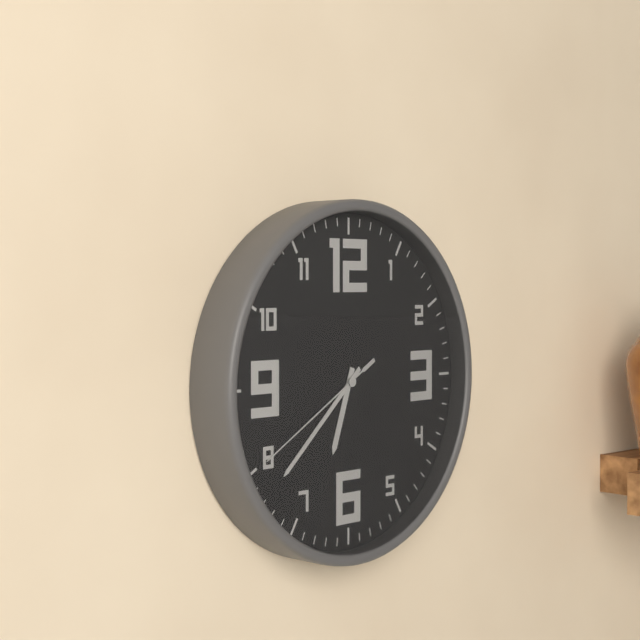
6 h 38 min 40 s
